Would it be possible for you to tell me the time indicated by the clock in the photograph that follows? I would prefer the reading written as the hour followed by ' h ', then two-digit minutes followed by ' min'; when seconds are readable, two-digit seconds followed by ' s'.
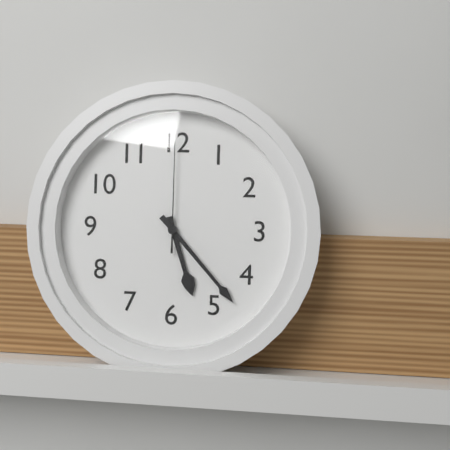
5 h 23 min 00 s
